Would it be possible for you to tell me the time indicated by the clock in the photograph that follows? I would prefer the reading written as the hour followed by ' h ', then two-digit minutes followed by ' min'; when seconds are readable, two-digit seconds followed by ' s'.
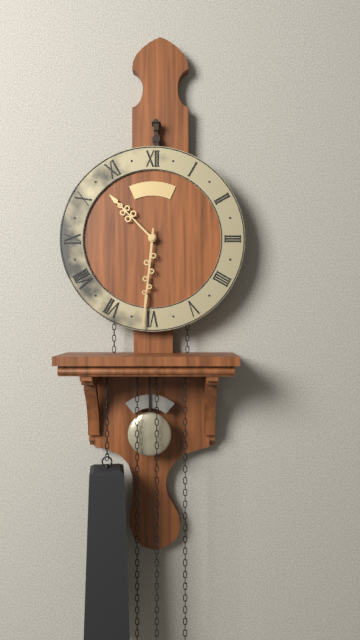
10 h 31 min
